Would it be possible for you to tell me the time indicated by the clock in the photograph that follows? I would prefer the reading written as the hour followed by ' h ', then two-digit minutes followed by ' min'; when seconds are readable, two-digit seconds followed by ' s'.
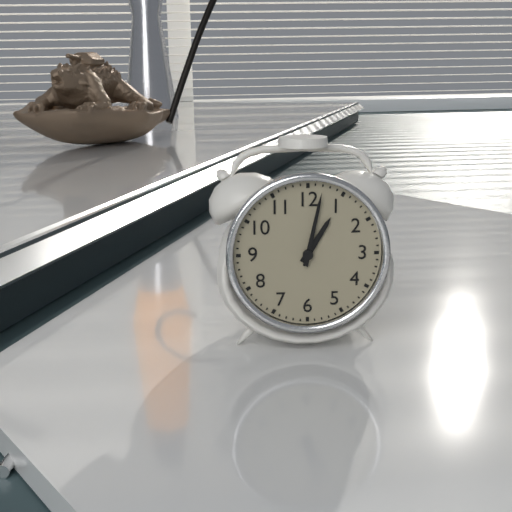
1 h 02 min
